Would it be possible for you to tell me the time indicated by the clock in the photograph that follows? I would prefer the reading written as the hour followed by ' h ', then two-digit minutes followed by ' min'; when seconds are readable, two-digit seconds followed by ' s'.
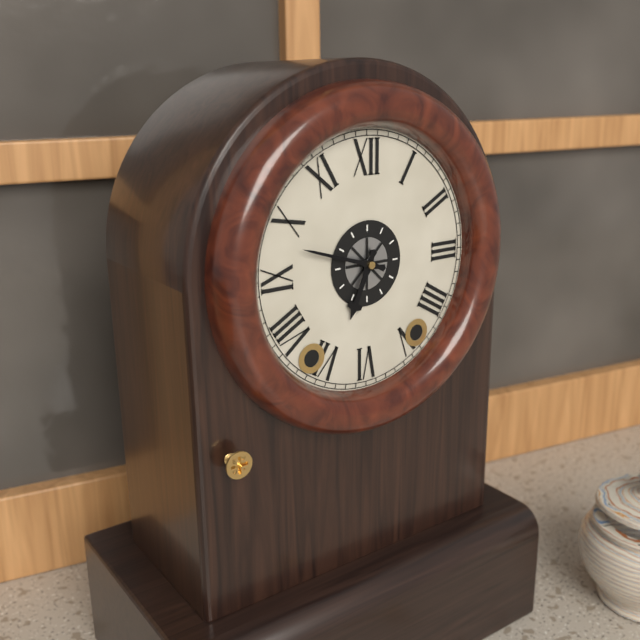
6 h 48 min
